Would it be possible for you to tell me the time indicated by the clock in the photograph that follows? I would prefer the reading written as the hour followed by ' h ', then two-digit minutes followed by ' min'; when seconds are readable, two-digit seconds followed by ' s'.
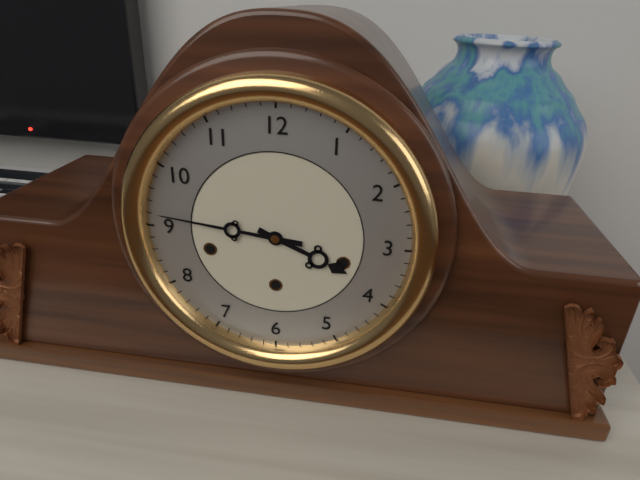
3 h 46 min
